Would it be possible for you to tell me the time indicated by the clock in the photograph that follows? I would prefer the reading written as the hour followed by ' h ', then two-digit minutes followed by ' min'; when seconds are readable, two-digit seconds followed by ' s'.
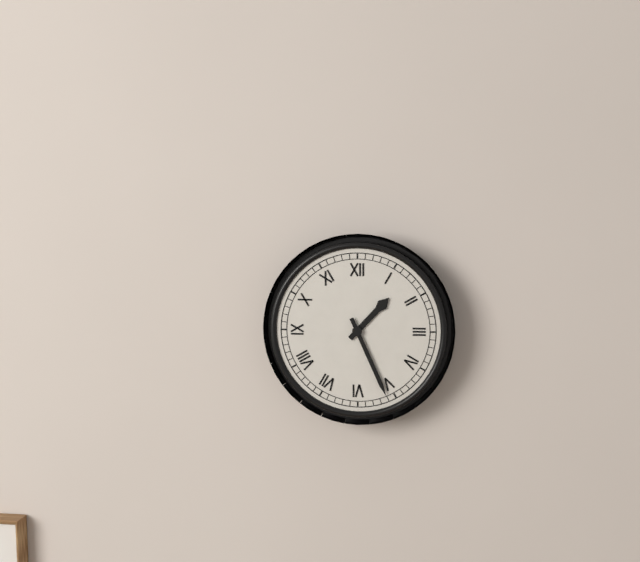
1 h 26 min
